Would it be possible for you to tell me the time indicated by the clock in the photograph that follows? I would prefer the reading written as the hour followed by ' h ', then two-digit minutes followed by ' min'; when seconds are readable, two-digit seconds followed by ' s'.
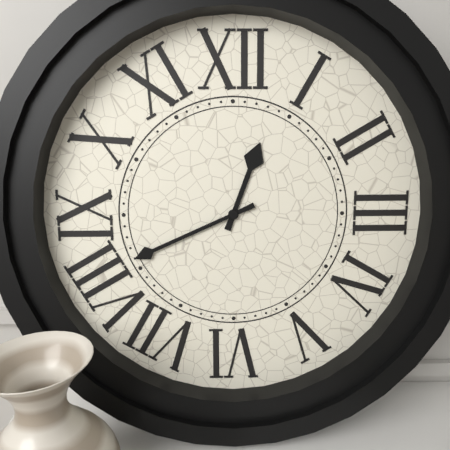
12 h 41 min
